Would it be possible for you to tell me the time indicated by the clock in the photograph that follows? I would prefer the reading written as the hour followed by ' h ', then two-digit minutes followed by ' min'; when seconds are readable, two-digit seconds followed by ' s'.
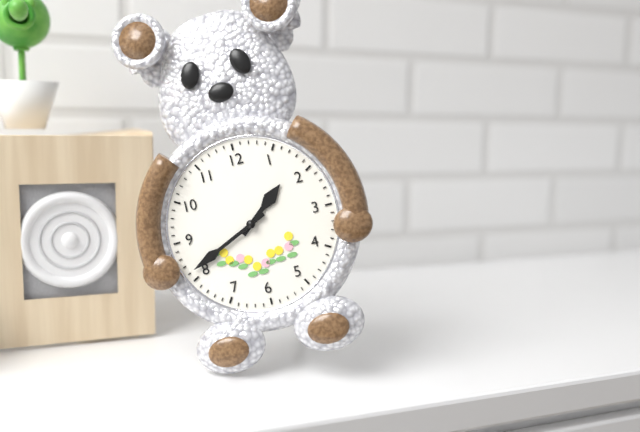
1 h 41 min
